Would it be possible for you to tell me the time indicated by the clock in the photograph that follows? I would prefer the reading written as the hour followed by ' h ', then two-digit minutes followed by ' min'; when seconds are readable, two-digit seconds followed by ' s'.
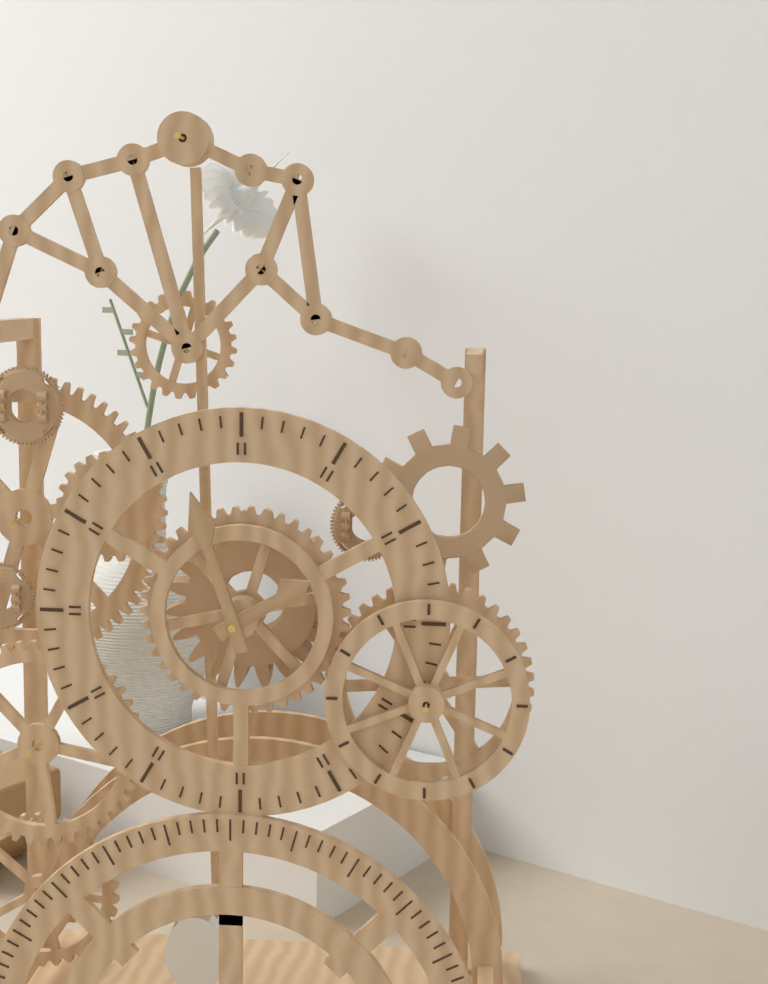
1 h 57 min
